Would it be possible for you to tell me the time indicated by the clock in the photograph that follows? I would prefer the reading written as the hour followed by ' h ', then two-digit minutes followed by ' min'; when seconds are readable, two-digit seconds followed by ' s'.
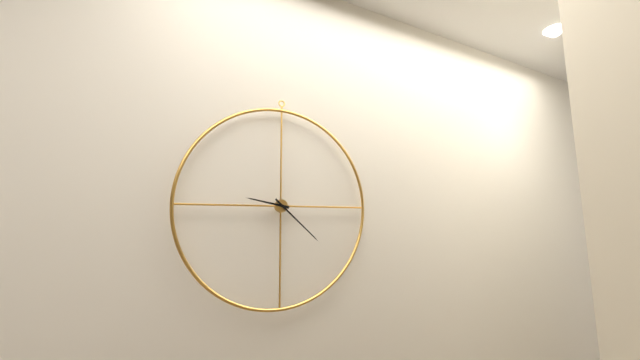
9 h 22 min
